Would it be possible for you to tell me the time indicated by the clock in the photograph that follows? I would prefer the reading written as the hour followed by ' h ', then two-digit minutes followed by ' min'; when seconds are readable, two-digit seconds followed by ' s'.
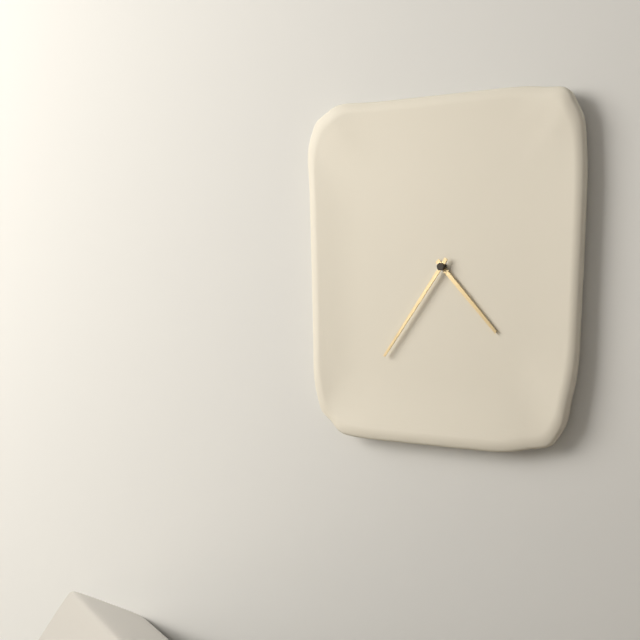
4 h 36 min
